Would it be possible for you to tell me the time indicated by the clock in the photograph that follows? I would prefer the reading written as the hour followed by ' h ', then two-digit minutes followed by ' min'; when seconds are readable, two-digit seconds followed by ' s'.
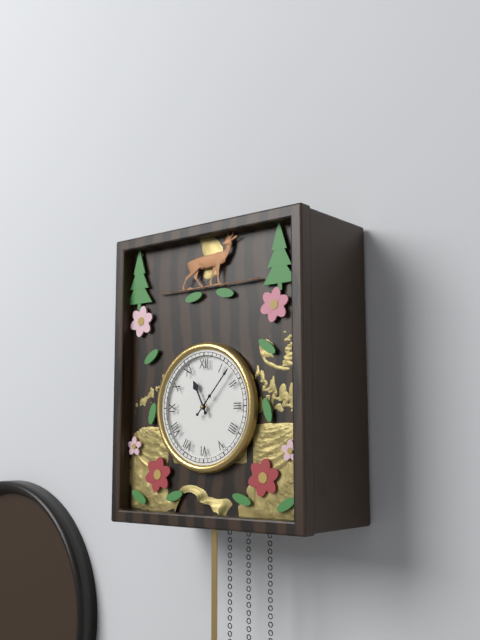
11 h 07 min
